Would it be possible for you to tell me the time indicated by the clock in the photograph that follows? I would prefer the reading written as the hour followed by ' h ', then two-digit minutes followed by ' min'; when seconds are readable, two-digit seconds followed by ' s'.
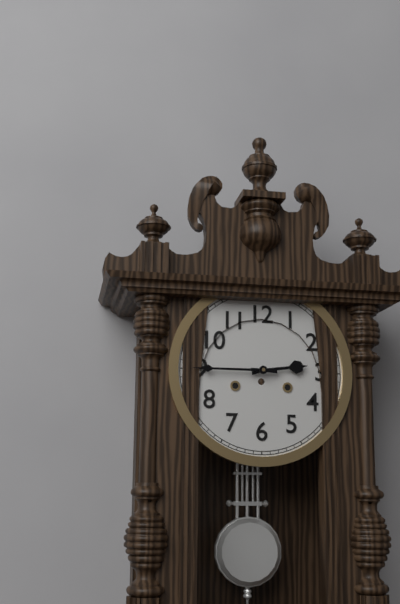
2 h 45 min
